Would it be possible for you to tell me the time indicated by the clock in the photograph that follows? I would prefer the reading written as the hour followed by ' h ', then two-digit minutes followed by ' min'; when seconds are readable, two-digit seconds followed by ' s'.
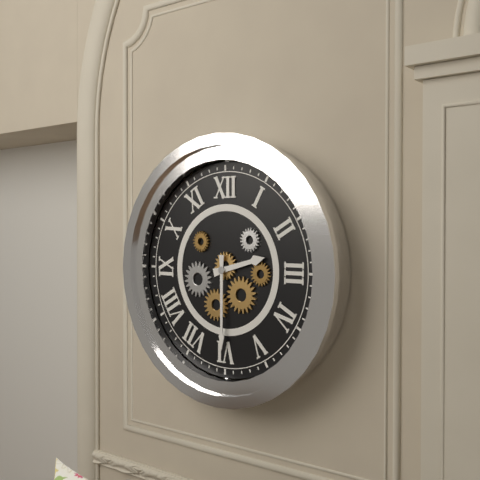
2 h 30 min
